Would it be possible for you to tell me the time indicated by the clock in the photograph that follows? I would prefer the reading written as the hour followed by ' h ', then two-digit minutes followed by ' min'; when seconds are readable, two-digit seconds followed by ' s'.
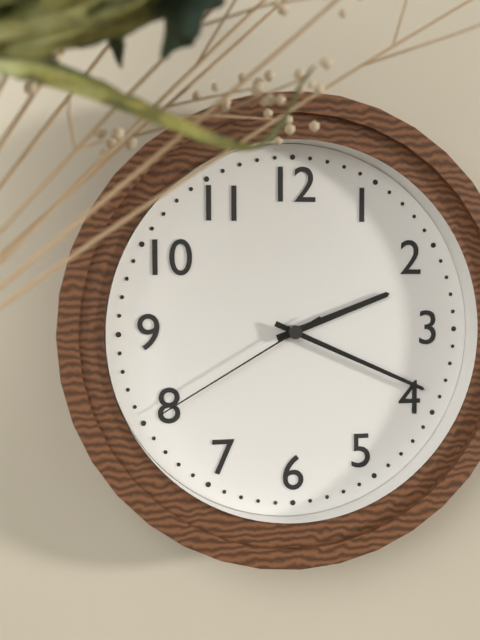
2 h 19 min 40 s
